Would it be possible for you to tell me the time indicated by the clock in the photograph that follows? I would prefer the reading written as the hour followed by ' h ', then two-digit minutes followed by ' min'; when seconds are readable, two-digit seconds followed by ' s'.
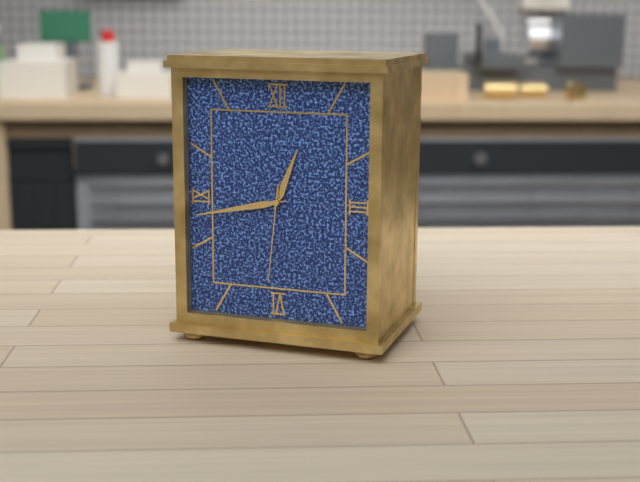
12 h 43 min 31 s
